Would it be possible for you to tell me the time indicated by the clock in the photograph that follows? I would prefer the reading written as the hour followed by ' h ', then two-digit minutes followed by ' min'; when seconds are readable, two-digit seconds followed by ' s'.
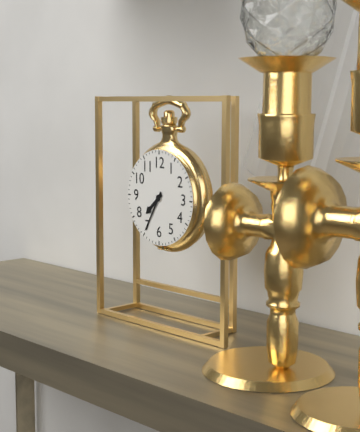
7 h 35 min
